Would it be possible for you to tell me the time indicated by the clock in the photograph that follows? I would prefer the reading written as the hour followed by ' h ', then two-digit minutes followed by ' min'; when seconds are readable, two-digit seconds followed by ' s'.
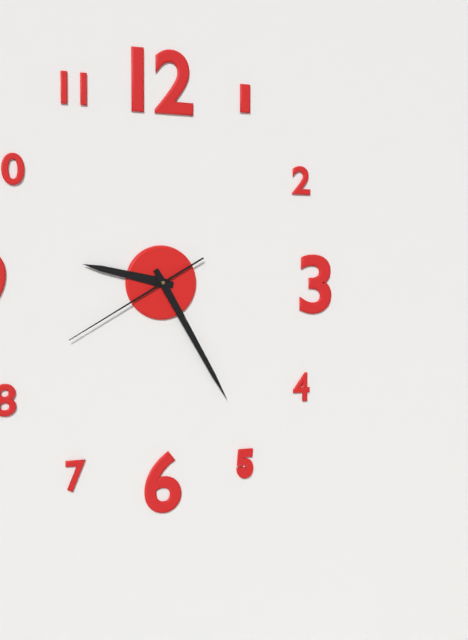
9 h 25 min 40 s
